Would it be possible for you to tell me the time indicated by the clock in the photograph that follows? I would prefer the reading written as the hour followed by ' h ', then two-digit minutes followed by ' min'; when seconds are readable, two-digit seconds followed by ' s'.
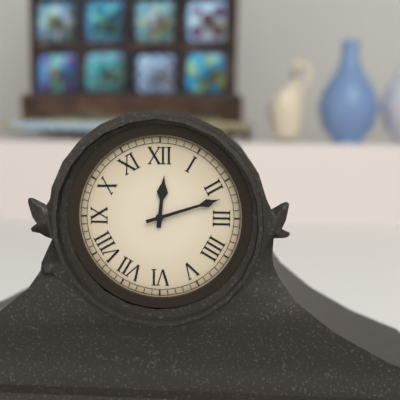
12 h 12 min
